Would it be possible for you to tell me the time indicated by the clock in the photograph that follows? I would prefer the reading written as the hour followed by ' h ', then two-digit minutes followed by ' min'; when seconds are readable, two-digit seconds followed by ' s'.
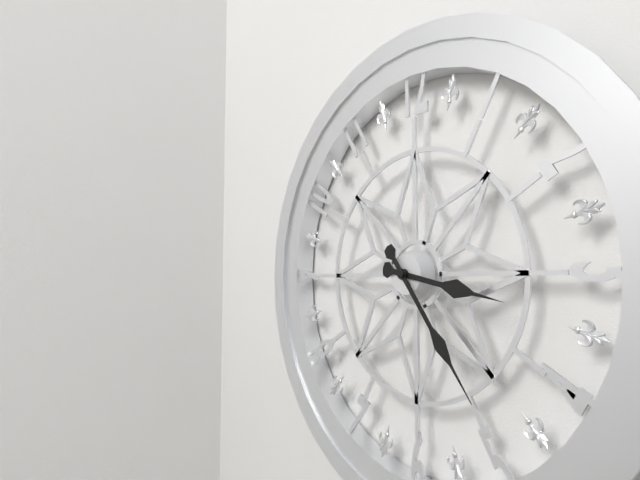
3 h 24 min
